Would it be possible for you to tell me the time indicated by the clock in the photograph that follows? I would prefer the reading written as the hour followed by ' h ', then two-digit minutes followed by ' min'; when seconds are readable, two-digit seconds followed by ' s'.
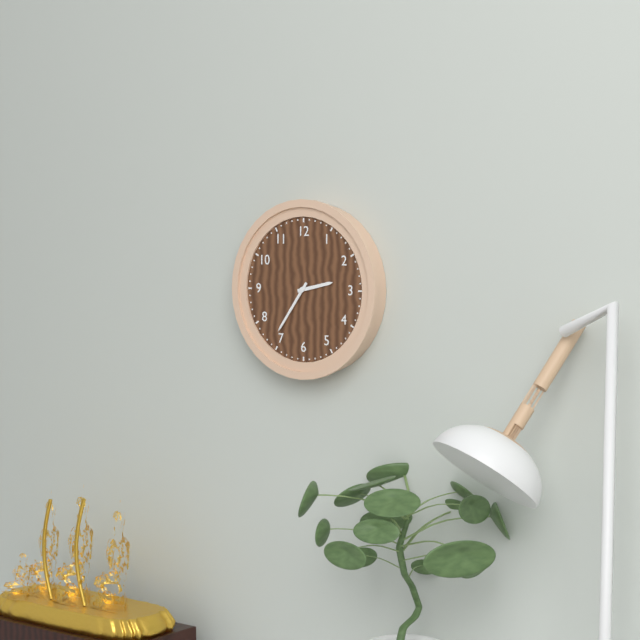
2 h 36 min
